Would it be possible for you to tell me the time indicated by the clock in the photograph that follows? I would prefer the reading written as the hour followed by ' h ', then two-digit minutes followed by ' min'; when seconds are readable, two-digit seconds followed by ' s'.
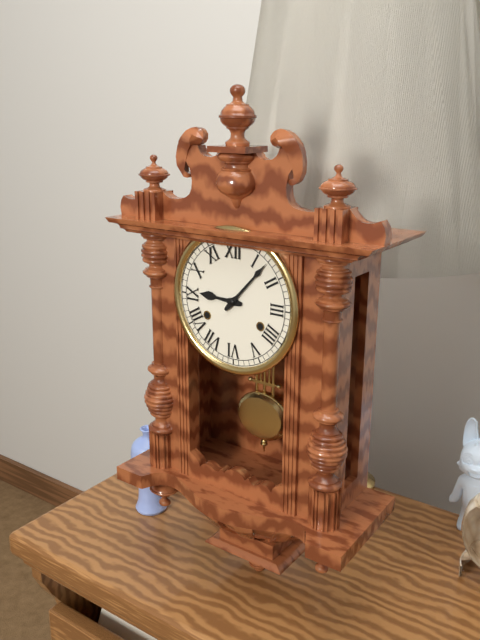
9 h 07 min
